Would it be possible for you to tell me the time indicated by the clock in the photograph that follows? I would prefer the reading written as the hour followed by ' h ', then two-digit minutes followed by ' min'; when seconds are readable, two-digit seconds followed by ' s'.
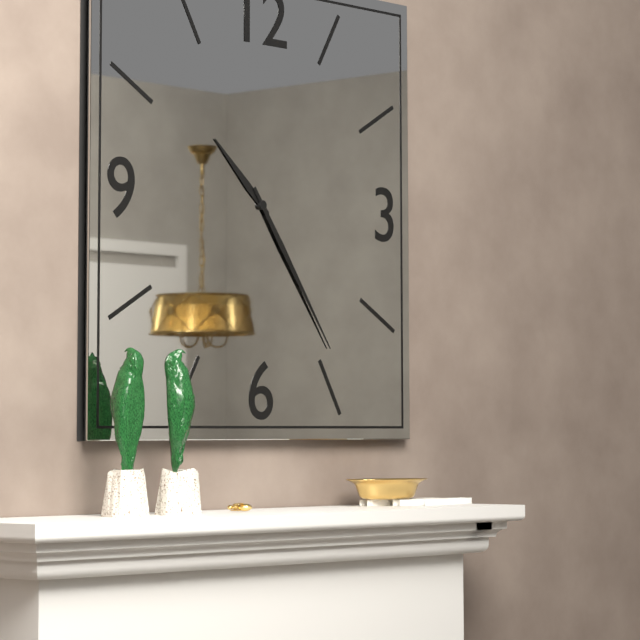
10 h 24 min
